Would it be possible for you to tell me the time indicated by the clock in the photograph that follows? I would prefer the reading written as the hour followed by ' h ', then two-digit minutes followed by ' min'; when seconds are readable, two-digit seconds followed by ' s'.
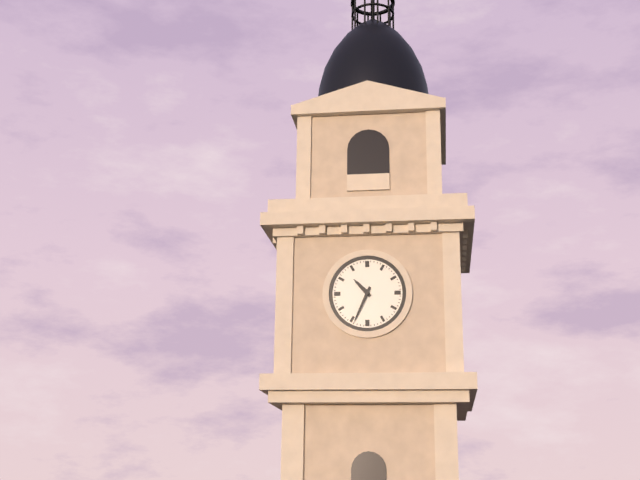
10 h 34 min
